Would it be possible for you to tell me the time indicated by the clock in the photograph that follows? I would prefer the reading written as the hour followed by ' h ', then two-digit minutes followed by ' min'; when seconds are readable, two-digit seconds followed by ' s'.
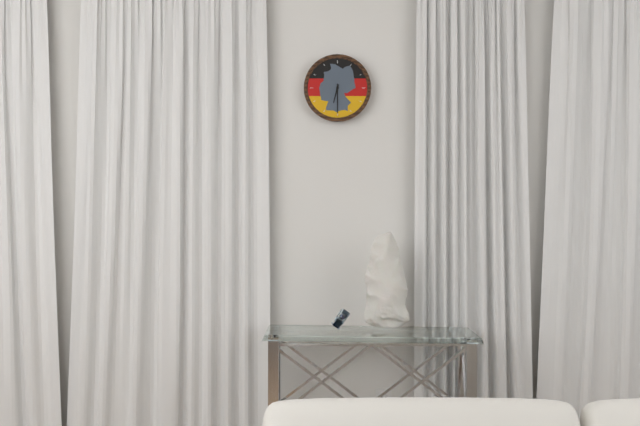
6 h 30 min
